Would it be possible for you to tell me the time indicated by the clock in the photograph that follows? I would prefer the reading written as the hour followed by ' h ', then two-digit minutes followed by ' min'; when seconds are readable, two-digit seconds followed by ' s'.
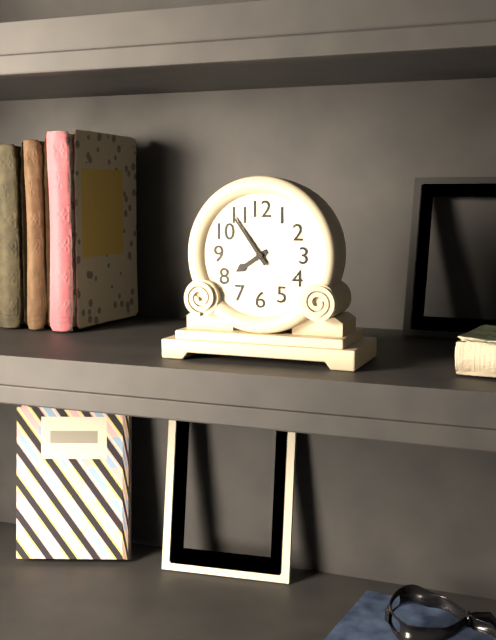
7 h 54 min
